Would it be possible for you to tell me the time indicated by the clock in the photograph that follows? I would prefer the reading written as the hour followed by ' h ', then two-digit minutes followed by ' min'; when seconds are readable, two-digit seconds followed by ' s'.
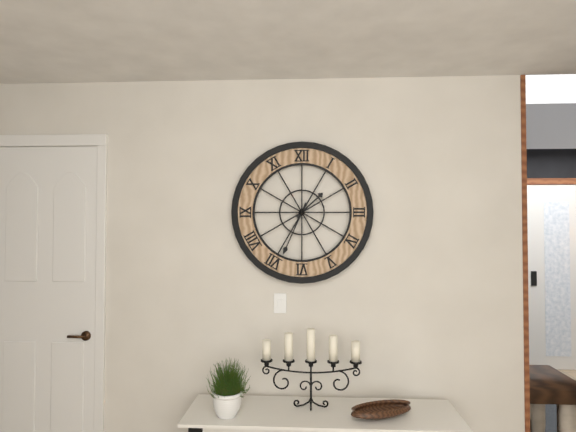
1 h 34 min
